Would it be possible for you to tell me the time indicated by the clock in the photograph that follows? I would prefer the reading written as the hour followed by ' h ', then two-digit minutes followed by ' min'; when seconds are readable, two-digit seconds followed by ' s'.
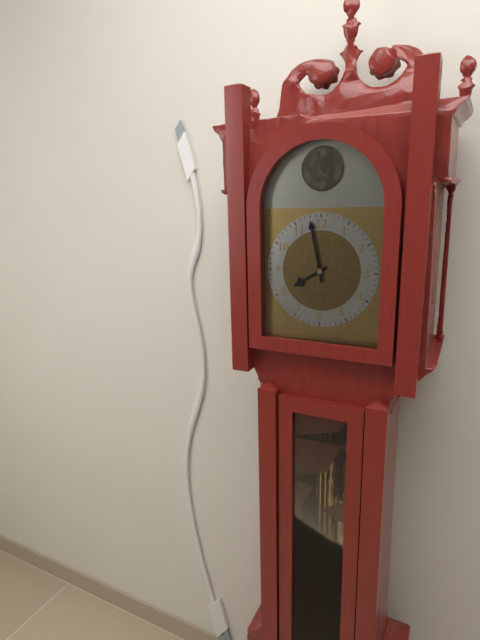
7 h 58 min
